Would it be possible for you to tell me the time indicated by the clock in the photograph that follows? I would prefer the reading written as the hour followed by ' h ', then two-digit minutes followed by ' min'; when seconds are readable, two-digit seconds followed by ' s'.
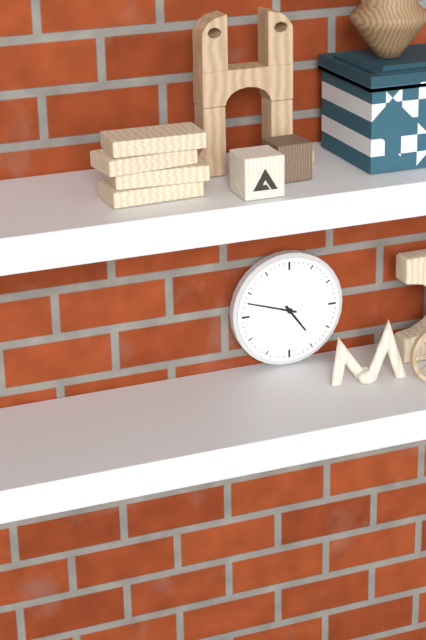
4 h 48 min
